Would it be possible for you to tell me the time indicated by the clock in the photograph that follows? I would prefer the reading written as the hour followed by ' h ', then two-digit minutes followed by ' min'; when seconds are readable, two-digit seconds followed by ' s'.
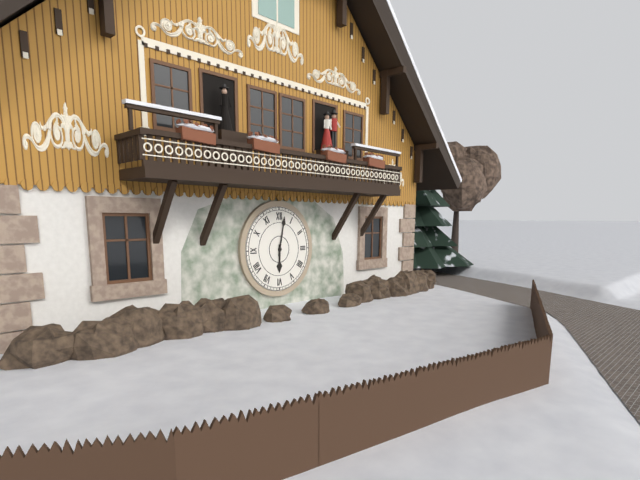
6 h 02 min
